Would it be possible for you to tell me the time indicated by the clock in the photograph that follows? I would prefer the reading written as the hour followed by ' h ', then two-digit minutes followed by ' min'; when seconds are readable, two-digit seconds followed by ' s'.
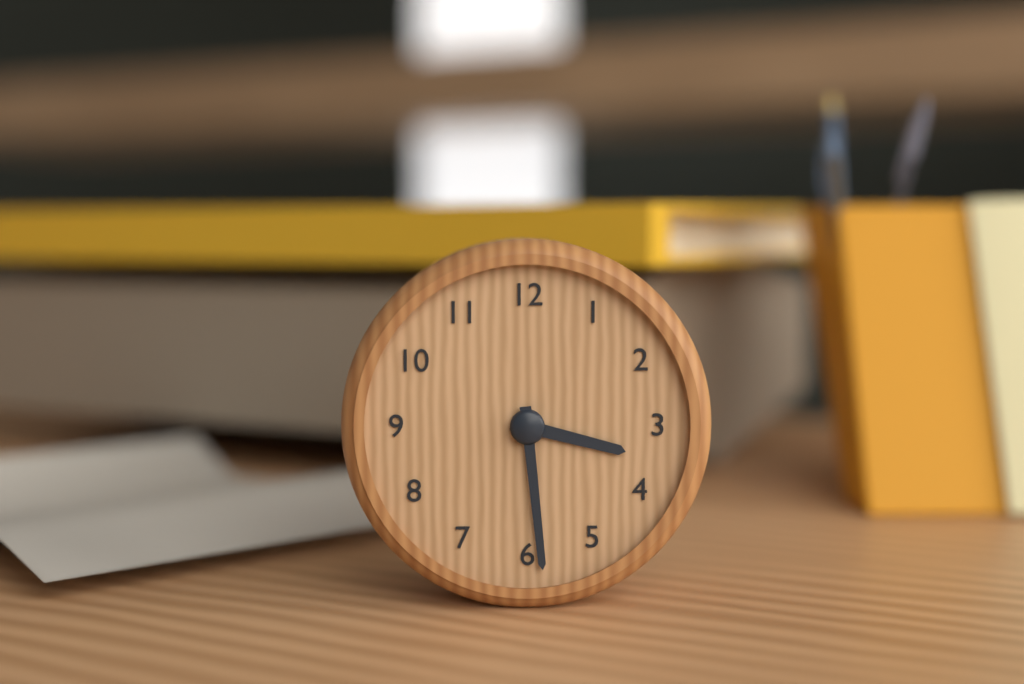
3 h 29 min
